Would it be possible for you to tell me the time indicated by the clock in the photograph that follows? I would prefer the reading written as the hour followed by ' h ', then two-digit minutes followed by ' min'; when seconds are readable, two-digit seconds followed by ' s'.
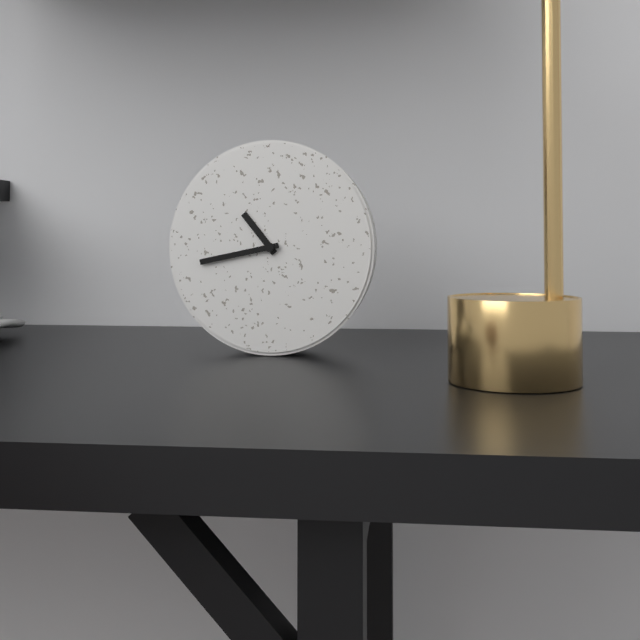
10 h 43 min
